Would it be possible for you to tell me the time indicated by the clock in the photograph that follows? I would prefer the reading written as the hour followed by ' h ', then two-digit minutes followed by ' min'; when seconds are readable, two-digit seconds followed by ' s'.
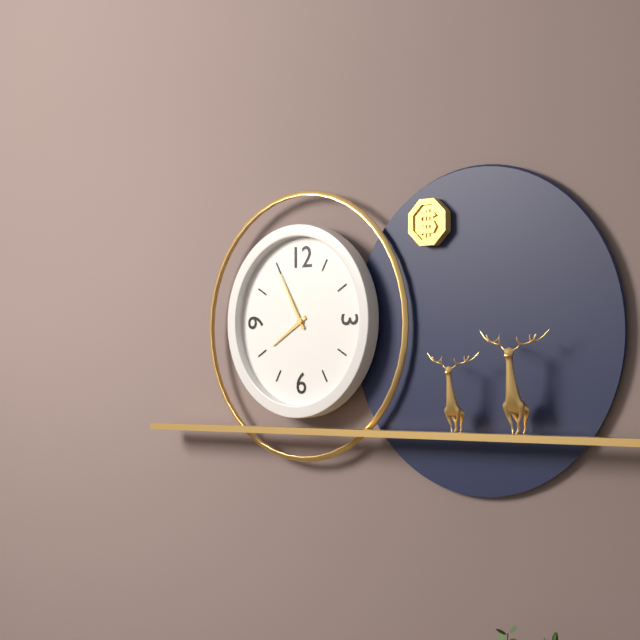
7 h 55 min
